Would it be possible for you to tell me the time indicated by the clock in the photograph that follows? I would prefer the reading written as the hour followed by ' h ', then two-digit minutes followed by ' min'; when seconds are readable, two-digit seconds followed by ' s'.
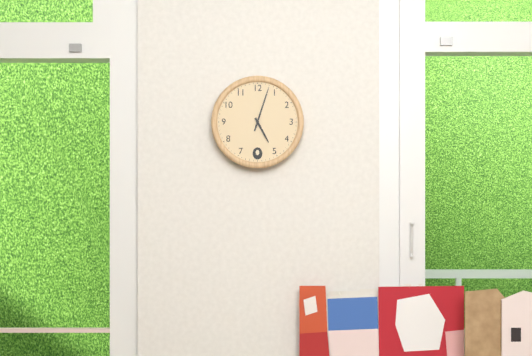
5 h 03 min
